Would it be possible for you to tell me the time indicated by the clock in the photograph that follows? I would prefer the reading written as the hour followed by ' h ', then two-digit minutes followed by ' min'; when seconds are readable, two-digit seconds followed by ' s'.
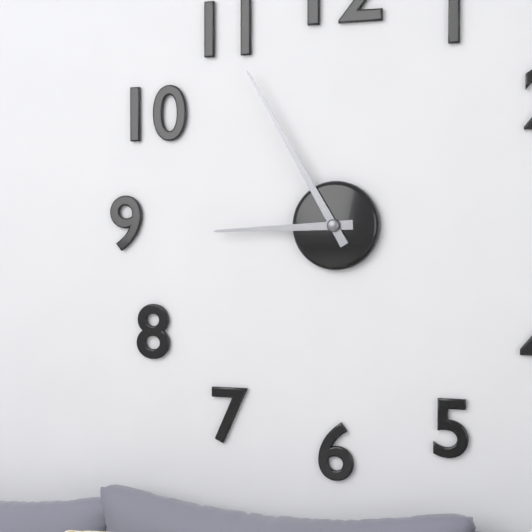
8 h 55 min
